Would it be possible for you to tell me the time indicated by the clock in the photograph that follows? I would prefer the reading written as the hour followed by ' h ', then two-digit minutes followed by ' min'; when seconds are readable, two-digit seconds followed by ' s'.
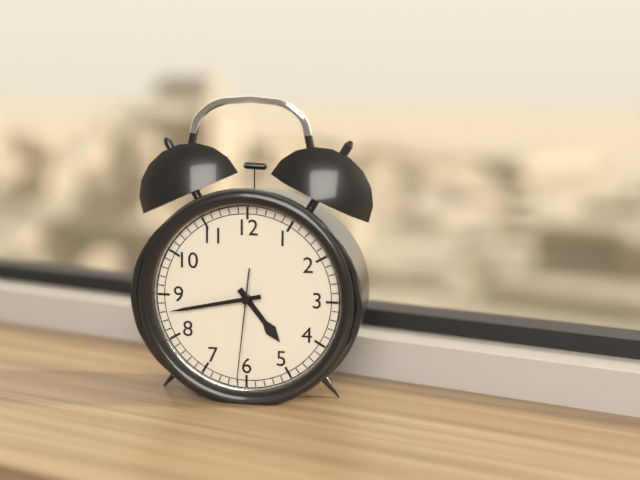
4 h 43 min 31 s
